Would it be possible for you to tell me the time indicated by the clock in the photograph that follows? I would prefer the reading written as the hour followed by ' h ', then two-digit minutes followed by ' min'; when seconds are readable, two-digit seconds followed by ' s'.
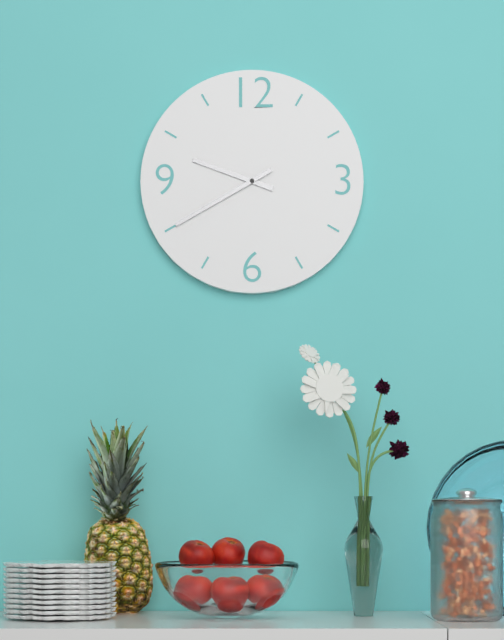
9 h 40 min
